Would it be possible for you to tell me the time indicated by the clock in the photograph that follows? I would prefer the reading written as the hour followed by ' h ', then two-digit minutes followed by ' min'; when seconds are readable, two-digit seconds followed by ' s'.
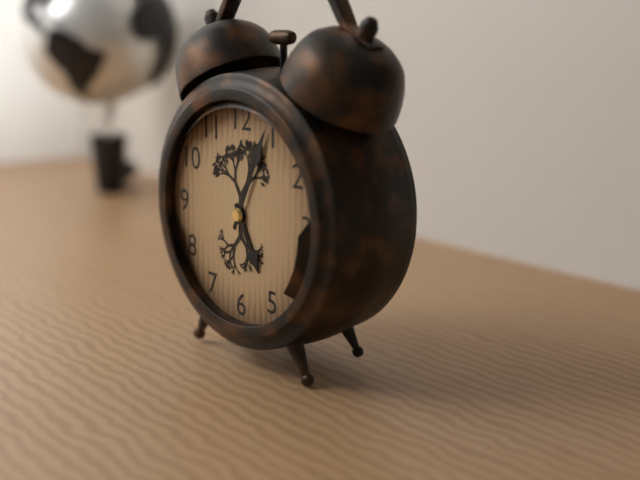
5 h 04 min
